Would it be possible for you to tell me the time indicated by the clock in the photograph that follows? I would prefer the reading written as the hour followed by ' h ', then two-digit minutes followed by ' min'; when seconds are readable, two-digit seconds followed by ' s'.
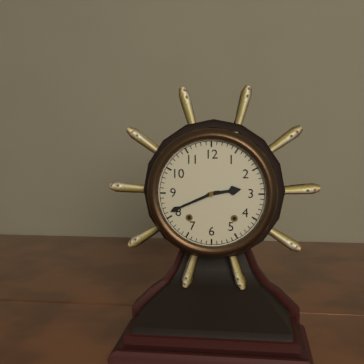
2 h 41 min
